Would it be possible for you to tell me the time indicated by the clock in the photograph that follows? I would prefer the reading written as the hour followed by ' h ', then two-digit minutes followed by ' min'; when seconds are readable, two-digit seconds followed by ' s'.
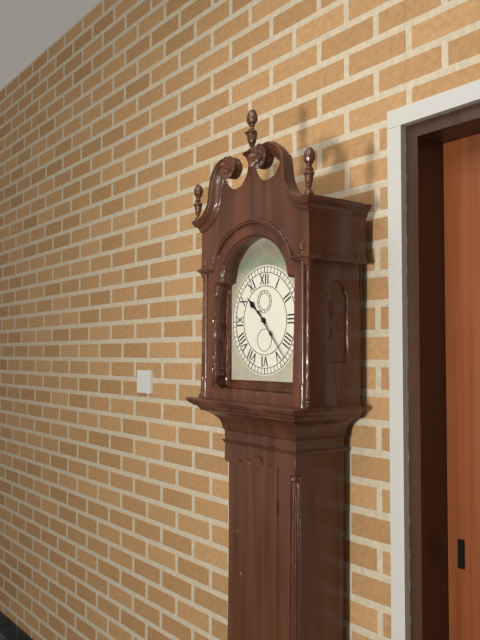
10 h 23 min
